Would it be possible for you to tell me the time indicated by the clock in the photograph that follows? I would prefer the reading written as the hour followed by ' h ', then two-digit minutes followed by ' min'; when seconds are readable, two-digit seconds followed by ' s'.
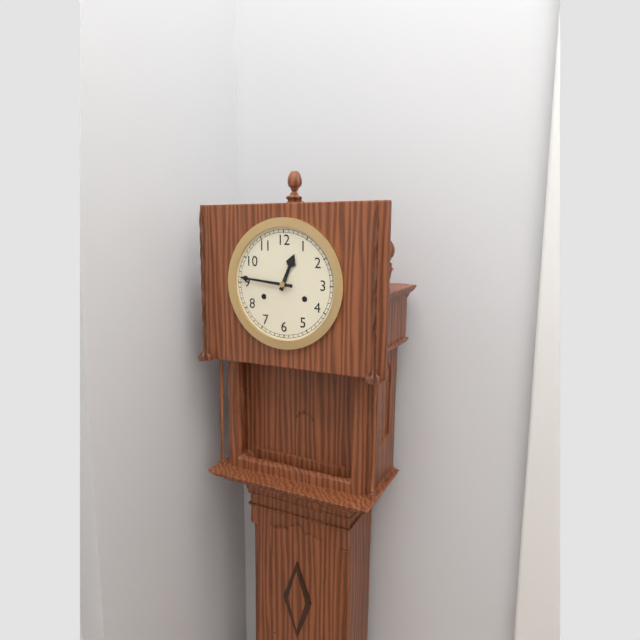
12 h 46 min
